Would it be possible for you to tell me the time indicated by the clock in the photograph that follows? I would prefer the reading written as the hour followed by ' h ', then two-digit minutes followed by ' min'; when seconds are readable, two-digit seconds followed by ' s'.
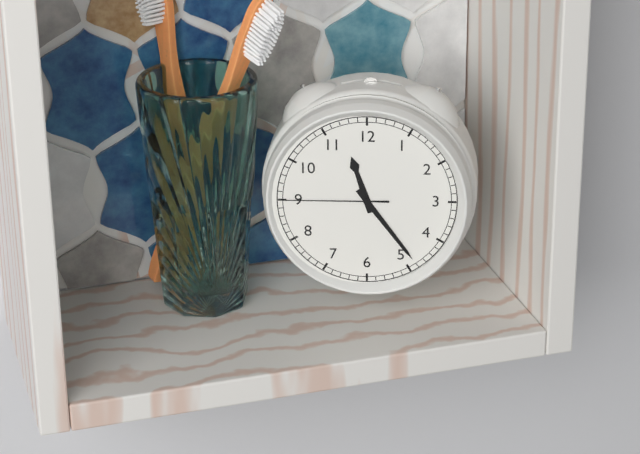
11 h 24 min 45 s
